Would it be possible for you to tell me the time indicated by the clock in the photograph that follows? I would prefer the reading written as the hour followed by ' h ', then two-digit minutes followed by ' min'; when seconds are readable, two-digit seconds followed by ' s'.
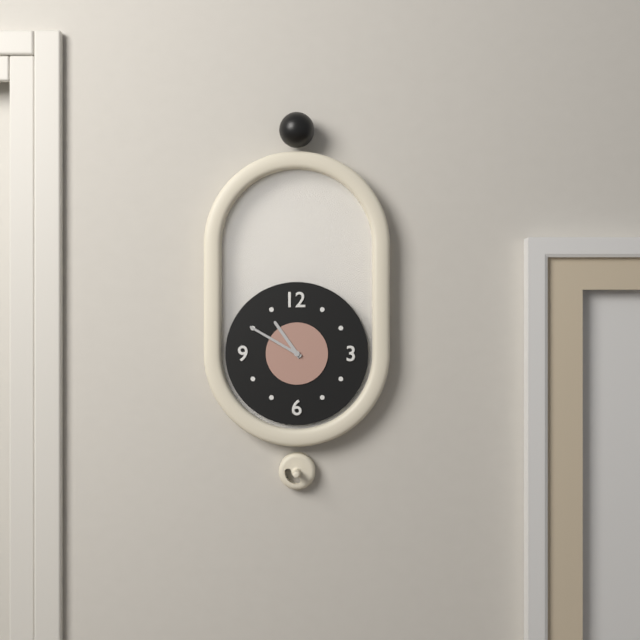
10 h 50 min
